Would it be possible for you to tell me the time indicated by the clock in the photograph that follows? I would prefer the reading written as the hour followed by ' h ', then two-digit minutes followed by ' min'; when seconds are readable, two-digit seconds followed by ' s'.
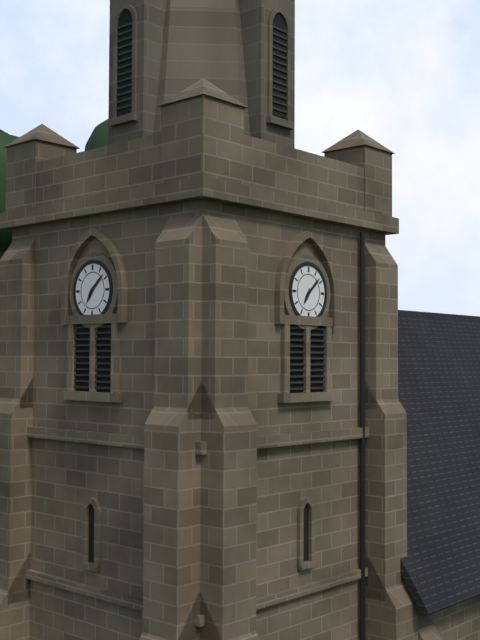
7 h 08 min
